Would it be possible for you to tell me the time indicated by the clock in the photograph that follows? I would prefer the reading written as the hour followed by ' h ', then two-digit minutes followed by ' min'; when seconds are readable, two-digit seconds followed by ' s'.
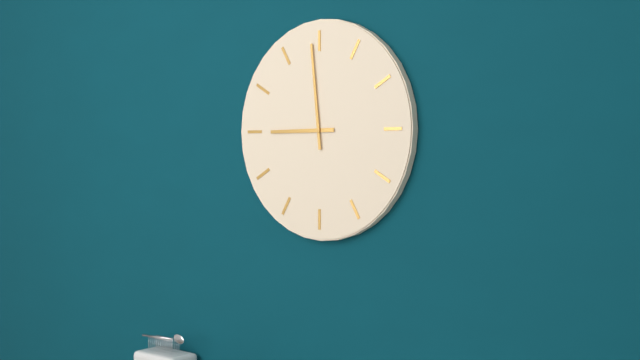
8 h 59 min
